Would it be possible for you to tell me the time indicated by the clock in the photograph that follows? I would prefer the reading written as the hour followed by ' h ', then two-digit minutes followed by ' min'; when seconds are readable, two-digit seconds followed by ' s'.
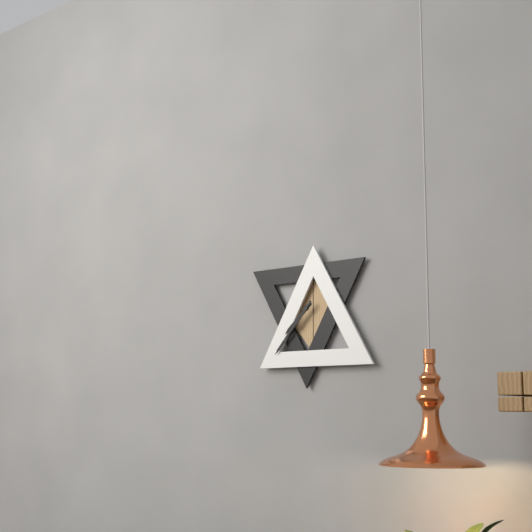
7 h 37 min
